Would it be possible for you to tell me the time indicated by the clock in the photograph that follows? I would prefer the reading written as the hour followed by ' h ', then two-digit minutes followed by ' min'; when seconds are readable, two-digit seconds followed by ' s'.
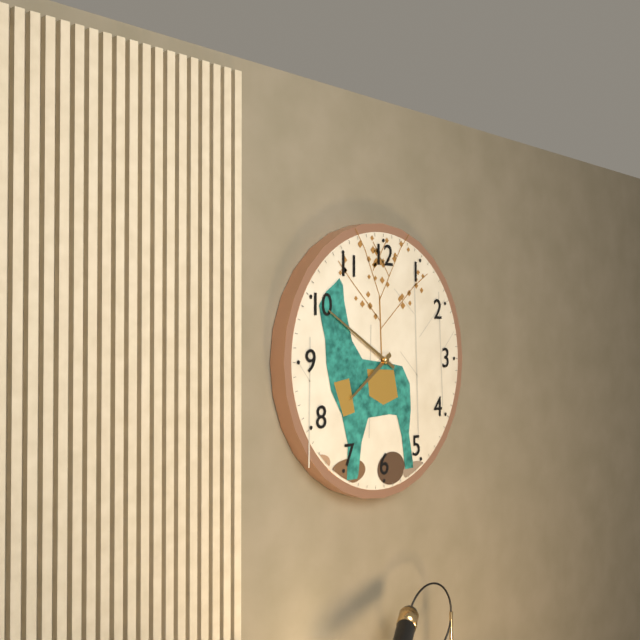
7 h 50 min
